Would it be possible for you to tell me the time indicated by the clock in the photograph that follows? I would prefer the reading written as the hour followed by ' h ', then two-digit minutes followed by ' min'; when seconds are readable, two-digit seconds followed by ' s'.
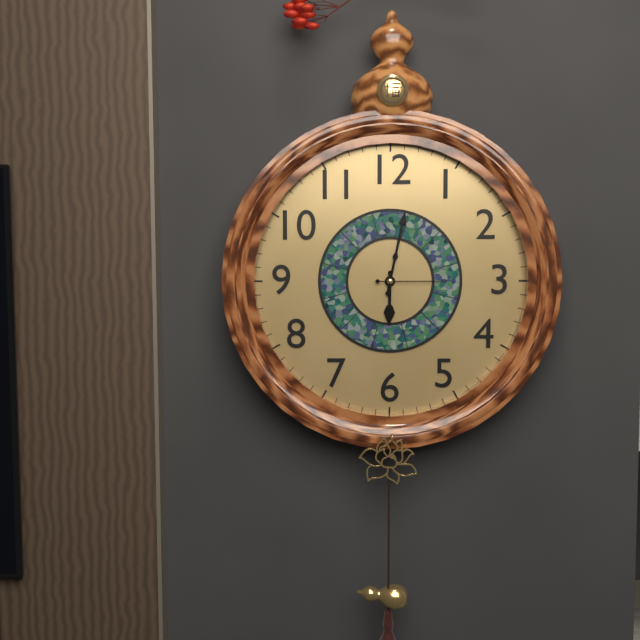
6 h 02 min 15 s
